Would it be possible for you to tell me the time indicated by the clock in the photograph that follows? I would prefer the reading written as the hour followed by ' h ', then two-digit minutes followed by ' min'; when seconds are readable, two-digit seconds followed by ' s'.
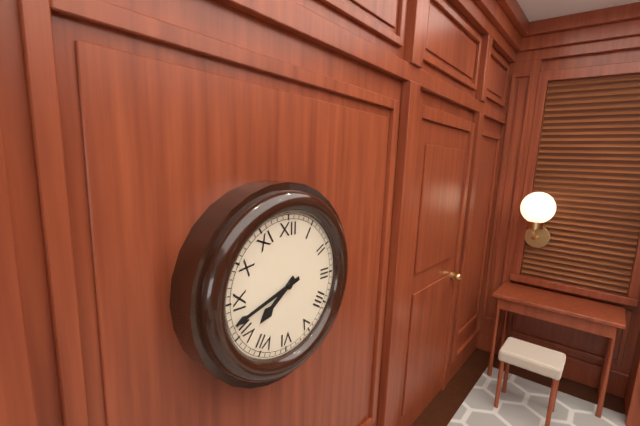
7 h 42 min
